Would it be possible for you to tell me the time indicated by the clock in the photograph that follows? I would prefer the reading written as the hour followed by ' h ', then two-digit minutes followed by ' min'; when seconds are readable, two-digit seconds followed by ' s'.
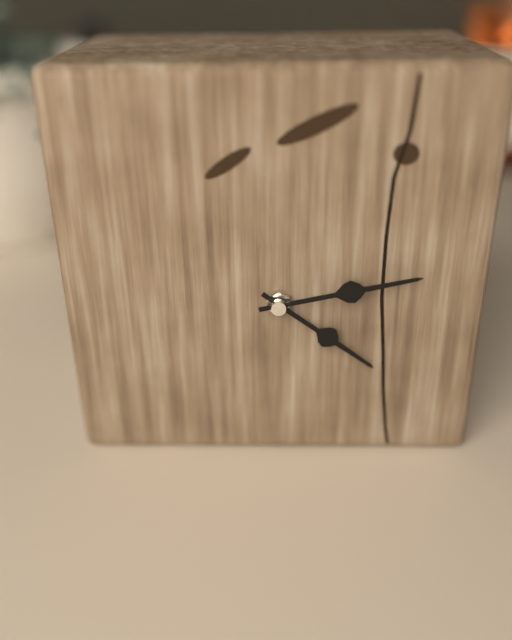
4 h 13 min
